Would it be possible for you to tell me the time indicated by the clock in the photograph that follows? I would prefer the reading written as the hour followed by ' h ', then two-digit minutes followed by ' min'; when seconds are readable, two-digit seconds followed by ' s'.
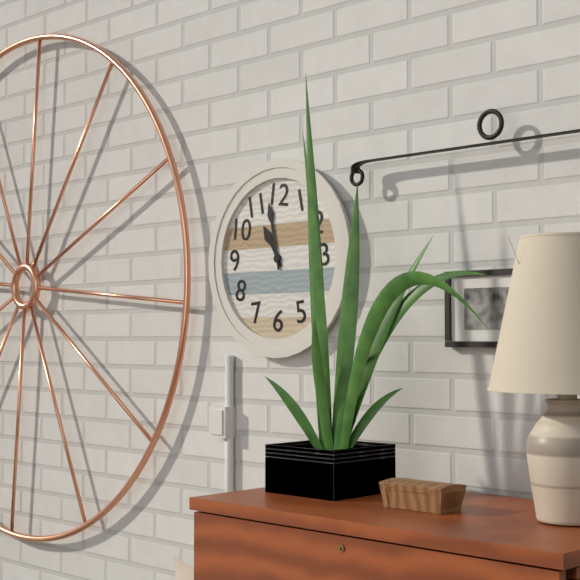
10 h 58 min
